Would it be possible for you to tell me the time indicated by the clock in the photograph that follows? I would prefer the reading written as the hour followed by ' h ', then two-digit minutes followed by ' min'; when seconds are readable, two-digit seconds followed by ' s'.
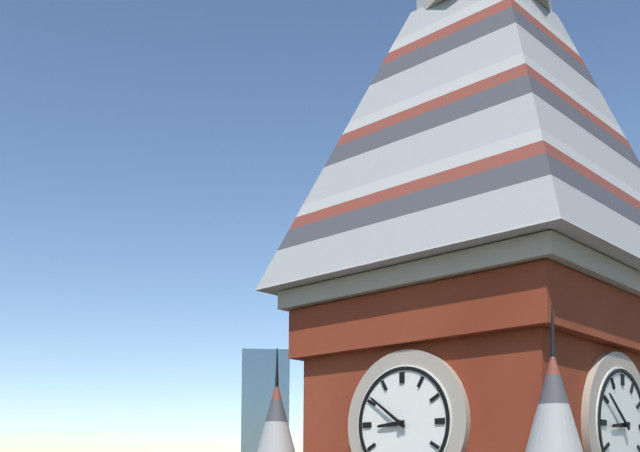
8 h 51 min
